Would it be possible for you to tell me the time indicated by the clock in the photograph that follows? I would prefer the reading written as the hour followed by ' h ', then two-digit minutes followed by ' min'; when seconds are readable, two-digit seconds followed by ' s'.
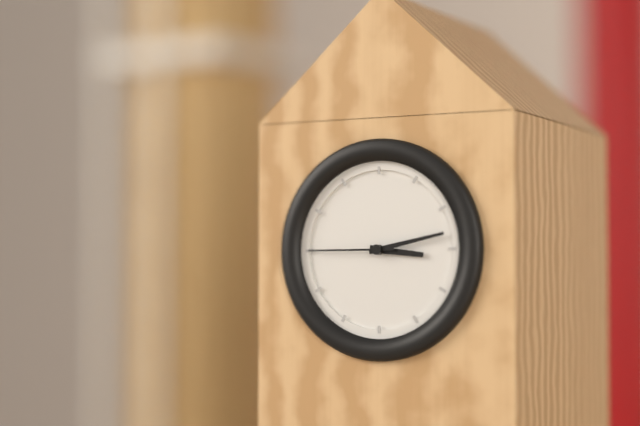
3 h 13 min 45 s
